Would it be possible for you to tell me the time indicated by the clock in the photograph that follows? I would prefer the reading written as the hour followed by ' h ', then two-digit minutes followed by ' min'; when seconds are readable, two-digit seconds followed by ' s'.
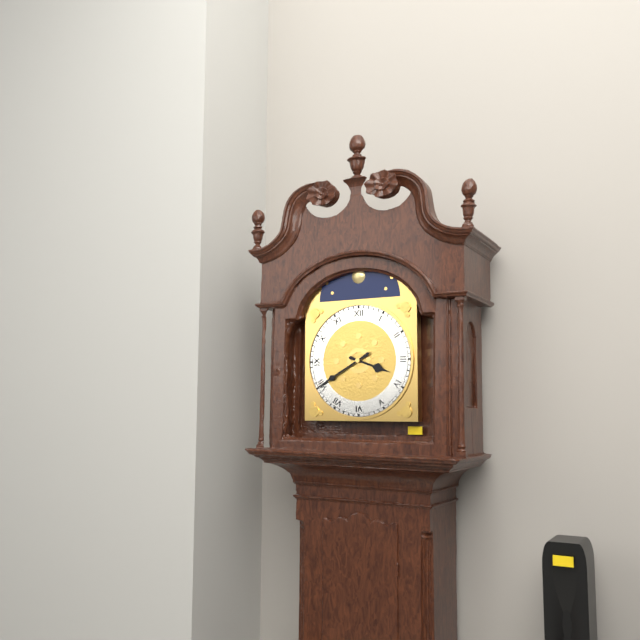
3 h 40 min
